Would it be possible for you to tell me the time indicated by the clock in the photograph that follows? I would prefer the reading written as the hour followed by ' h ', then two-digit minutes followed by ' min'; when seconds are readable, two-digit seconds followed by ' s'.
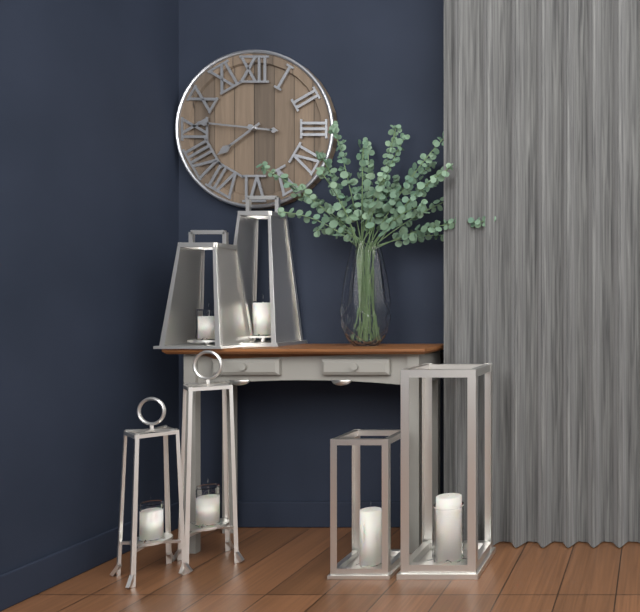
7 h 46 min
